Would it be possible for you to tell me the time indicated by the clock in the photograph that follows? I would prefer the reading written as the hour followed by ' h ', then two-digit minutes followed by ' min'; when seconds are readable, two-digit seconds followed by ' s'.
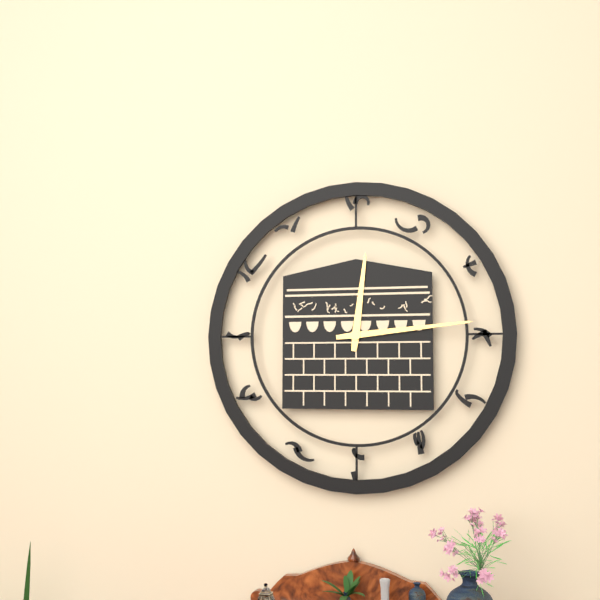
12 h 14 min
